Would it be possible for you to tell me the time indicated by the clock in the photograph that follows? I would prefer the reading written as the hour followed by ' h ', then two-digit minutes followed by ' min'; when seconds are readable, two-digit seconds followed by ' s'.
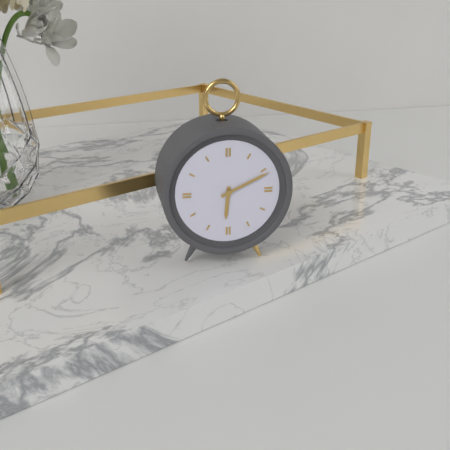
6 h 11 min
